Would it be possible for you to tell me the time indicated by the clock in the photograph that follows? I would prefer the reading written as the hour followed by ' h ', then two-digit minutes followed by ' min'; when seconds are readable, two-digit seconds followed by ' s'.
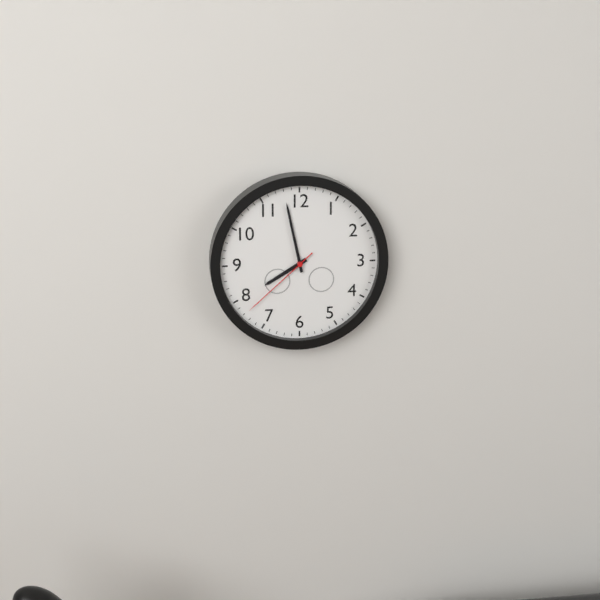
7 h 58 min 38 s
